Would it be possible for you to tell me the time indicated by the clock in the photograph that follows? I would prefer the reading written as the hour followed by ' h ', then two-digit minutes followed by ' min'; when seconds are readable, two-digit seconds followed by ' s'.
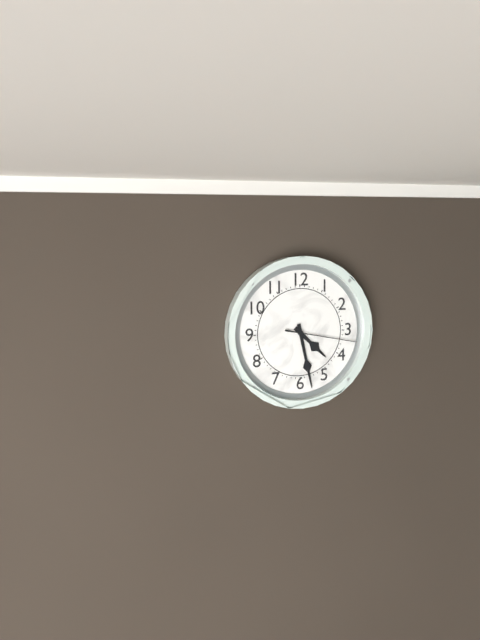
4 h 28 min 17 s
